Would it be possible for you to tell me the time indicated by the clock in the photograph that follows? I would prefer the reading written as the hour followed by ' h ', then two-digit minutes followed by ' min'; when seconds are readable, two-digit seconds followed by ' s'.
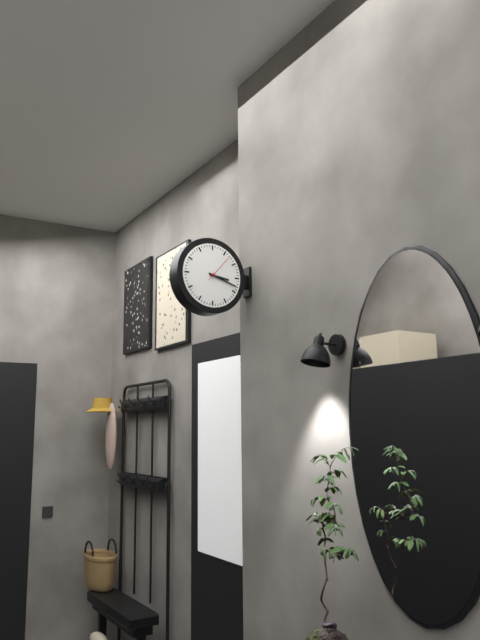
3 h 18 min
